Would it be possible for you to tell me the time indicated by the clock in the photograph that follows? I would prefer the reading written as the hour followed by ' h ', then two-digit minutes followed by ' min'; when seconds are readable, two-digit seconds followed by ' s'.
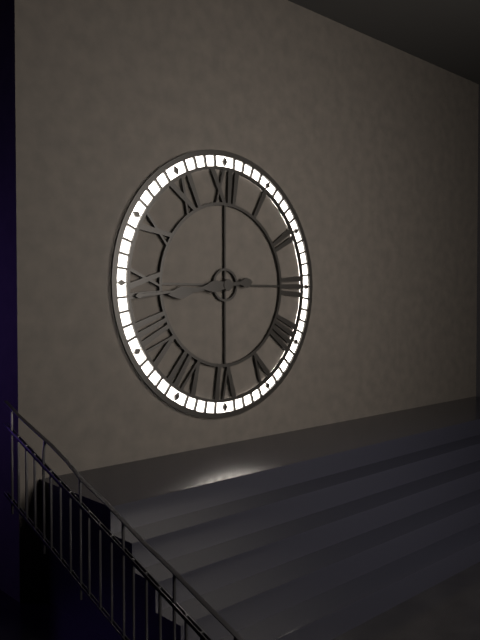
8 h 44 min
